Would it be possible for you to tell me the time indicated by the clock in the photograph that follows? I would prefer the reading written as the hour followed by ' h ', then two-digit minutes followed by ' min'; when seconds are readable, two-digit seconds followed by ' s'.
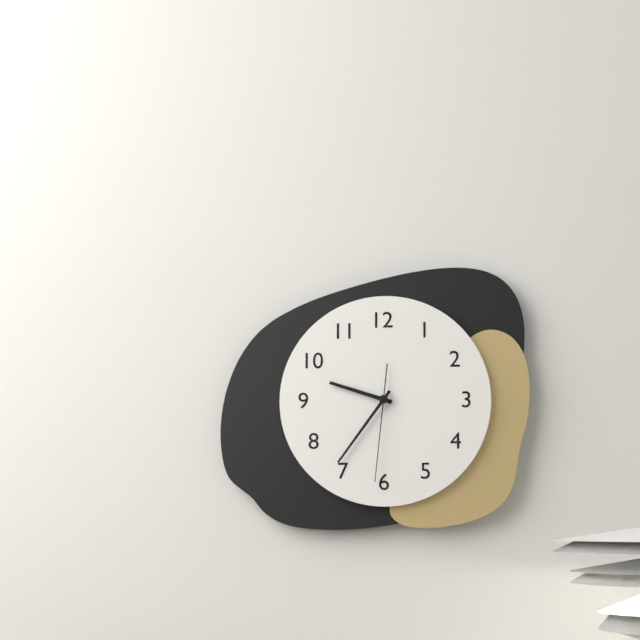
9 h 36 min 31 s
